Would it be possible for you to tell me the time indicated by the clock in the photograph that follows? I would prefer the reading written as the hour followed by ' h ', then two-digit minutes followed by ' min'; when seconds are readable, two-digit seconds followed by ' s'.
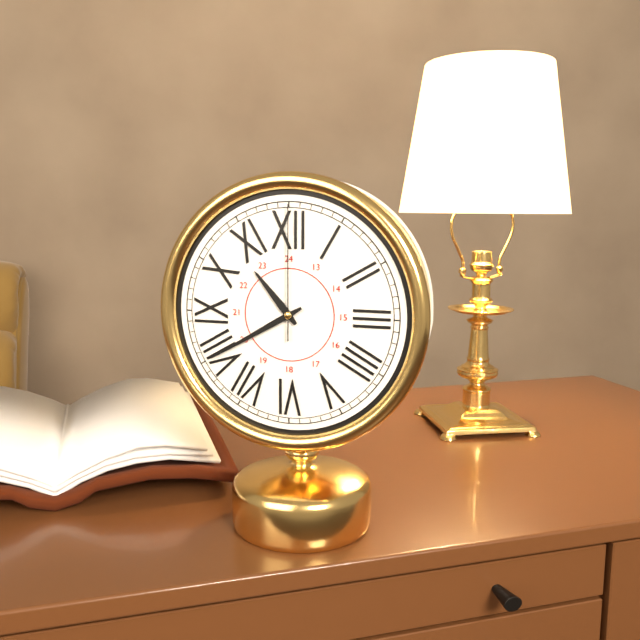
10 h 40 min 00 s
